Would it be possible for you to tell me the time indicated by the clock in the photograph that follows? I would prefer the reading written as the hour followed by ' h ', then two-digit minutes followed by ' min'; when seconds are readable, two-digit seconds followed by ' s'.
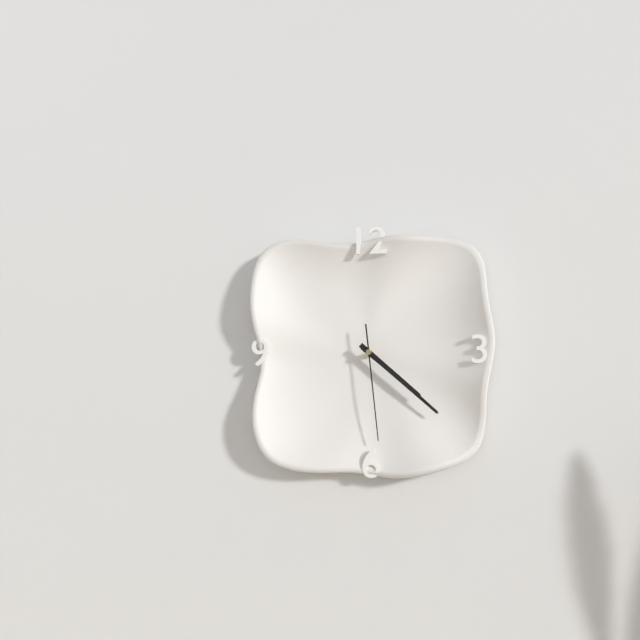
4 h 22 min 29 s
